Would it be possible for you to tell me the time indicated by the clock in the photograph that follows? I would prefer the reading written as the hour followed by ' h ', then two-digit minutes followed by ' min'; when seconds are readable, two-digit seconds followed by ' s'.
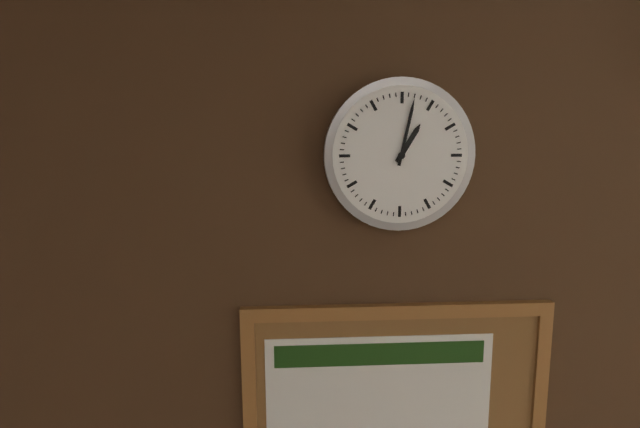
1 h 02 min
